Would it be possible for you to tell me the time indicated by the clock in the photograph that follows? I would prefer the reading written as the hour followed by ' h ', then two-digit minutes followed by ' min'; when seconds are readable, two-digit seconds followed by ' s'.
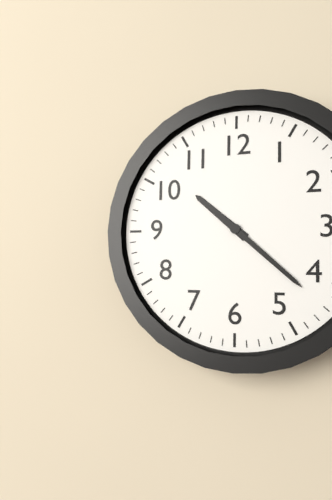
10 h 22 min
